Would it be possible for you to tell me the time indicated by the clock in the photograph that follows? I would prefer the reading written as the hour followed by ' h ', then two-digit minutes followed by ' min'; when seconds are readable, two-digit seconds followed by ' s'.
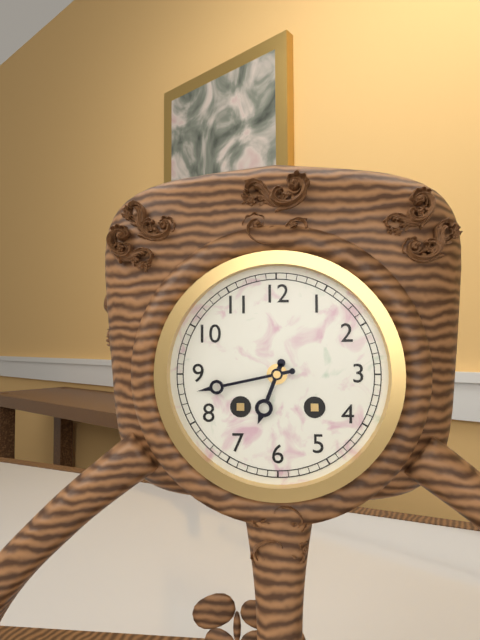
6 h 43 min
